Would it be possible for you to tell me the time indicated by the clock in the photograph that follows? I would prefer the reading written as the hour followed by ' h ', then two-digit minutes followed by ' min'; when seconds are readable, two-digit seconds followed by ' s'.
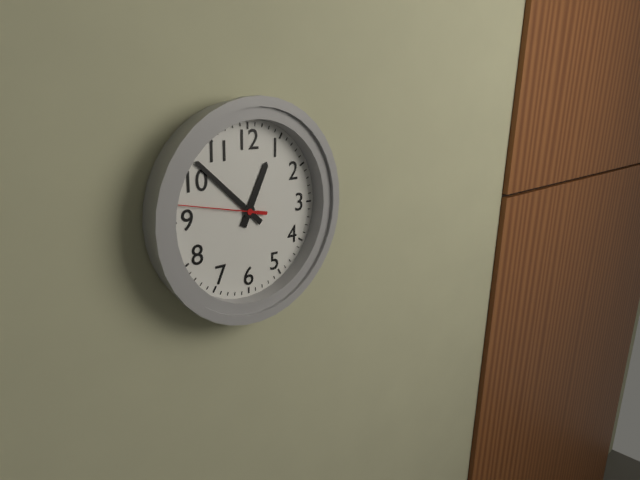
12 h 52 min 47 s
